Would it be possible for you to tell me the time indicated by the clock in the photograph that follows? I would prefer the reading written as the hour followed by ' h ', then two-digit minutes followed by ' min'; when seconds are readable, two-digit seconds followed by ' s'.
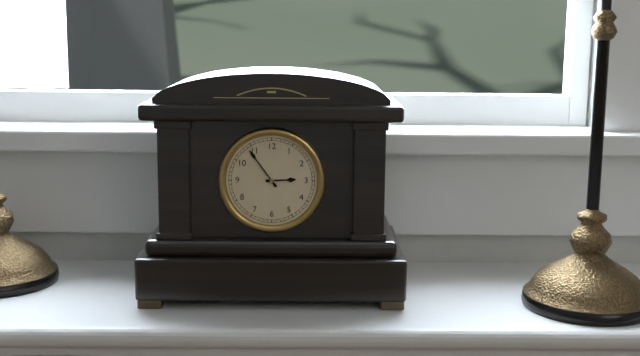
2 h 54 min
